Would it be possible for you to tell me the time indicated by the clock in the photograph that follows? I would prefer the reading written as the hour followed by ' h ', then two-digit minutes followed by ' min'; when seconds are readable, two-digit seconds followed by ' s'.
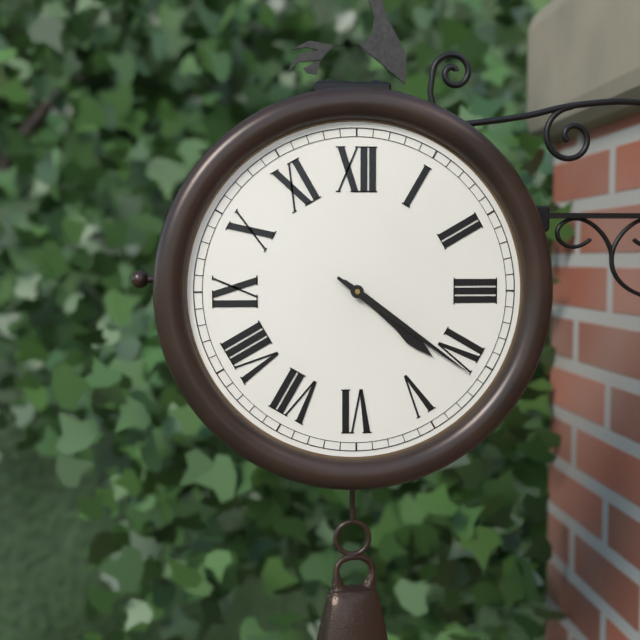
4 h 21 min
